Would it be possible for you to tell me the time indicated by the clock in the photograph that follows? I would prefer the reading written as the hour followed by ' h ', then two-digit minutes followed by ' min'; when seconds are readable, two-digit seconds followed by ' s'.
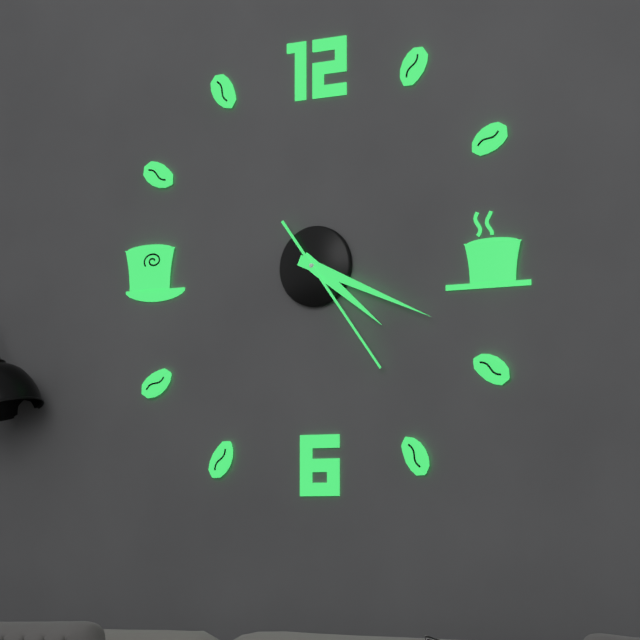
4 h 19 min 24 s
